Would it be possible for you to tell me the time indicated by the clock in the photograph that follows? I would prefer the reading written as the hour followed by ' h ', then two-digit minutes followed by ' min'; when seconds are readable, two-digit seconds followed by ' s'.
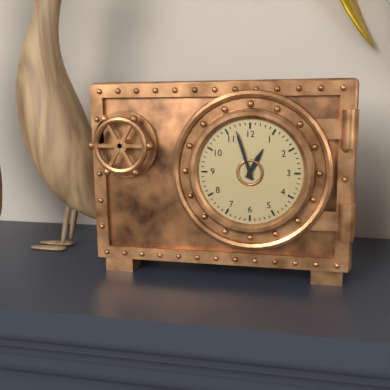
12 h 57 min
